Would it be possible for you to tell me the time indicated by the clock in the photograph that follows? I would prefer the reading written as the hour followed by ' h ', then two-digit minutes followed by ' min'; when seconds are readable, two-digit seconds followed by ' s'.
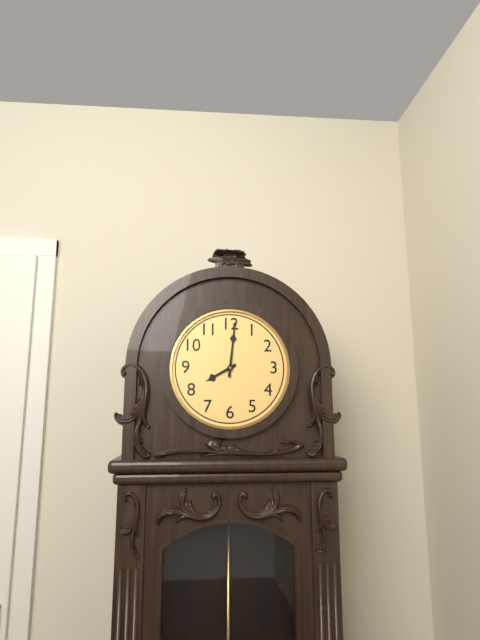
8 h 01 min
